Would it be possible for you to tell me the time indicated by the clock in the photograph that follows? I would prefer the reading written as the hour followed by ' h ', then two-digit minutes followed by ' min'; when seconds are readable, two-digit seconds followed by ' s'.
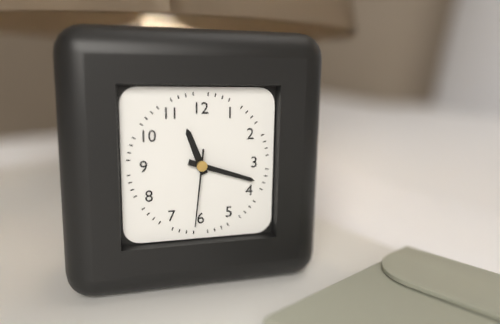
11 h 18 min 31 s
